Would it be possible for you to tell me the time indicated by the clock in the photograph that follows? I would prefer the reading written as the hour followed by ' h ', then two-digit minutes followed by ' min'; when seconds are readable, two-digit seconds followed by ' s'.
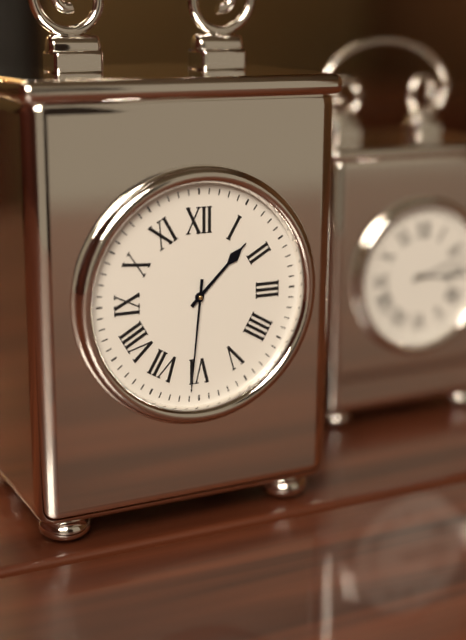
1 h 31 min
